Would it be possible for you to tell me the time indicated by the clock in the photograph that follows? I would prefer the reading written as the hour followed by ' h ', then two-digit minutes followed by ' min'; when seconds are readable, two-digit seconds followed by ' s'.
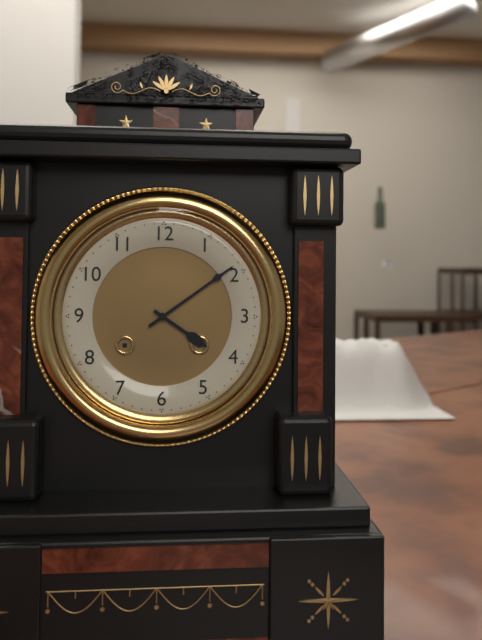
4 h 09 min
